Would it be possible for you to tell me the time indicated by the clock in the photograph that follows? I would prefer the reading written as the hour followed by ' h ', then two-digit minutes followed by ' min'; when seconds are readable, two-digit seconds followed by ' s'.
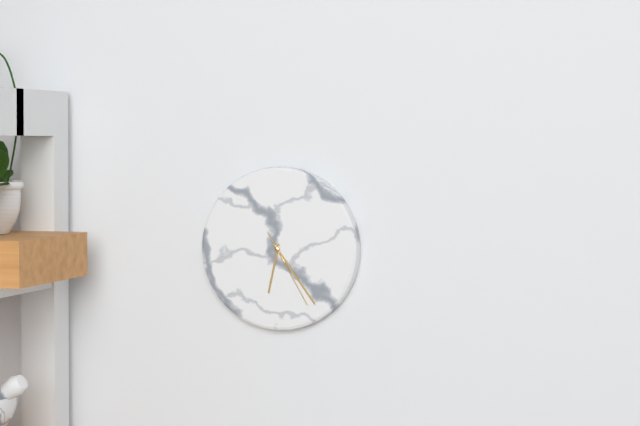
6 h 24 min 25 s
